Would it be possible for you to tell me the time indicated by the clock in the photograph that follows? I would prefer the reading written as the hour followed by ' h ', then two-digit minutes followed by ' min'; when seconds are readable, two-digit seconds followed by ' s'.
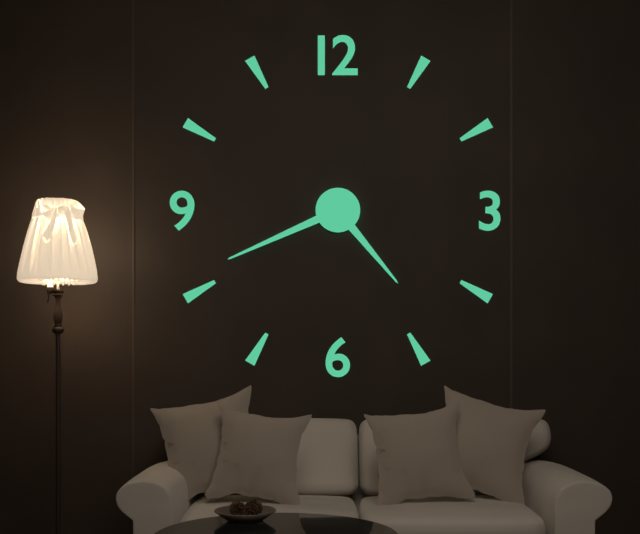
4 h 41 min
